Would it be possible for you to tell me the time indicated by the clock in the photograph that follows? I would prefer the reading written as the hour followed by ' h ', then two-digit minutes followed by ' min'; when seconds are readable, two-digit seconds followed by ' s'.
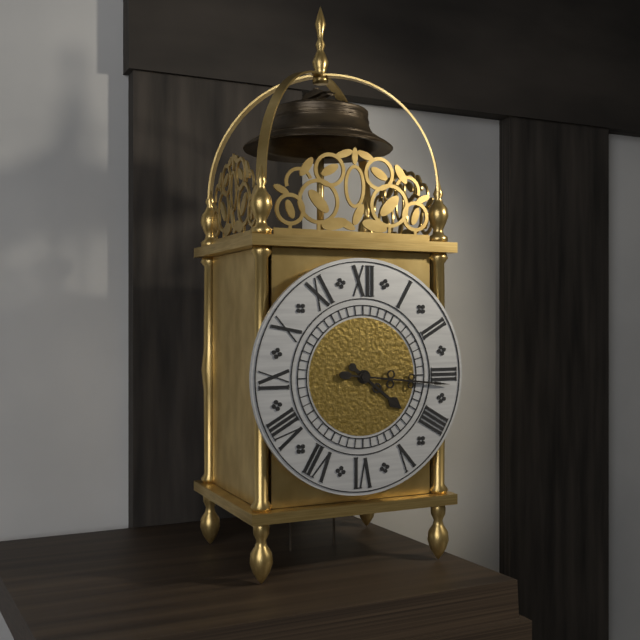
4 h 16 min
